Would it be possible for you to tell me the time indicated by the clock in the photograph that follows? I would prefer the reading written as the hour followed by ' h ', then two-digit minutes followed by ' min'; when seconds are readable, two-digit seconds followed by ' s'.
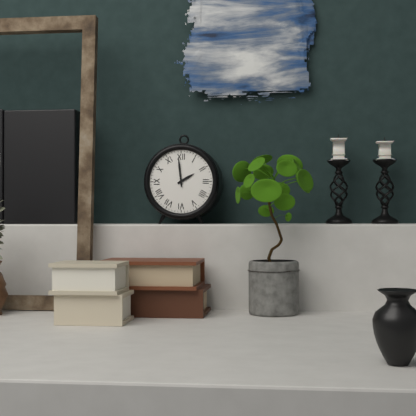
1 h 59 min
